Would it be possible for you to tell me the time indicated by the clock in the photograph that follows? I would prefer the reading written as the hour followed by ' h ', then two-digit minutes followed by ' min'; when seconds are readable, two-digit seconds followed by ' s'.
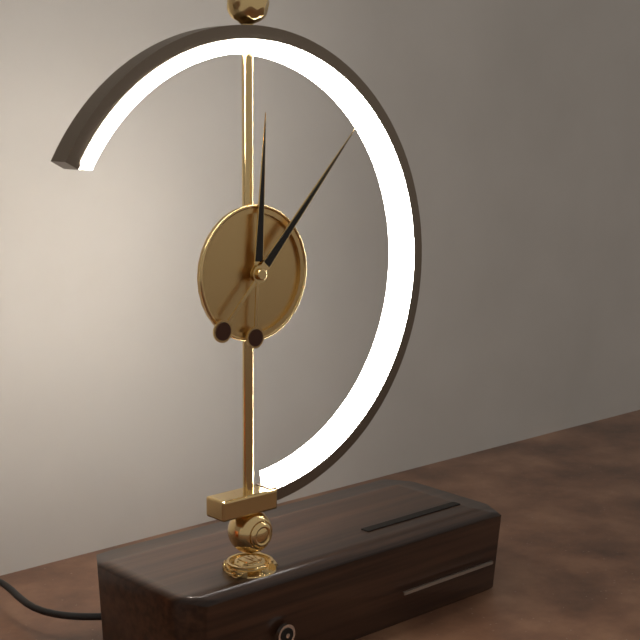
12 h 07 min
